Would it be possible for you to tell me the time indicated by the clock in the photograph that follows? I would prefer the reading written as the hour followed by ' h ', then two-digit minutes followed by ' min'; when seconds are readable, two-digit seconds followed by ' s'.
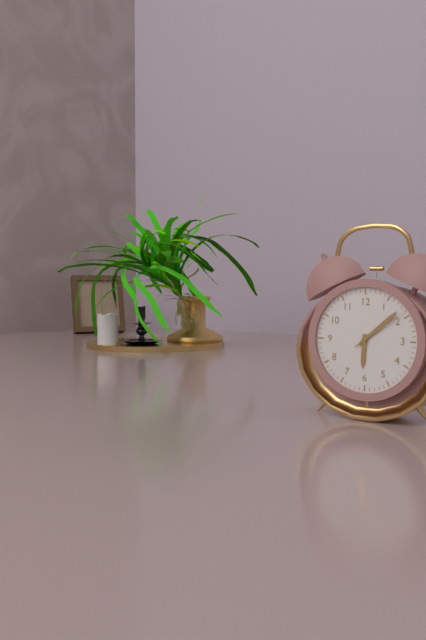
6 h 08 min 09 s
